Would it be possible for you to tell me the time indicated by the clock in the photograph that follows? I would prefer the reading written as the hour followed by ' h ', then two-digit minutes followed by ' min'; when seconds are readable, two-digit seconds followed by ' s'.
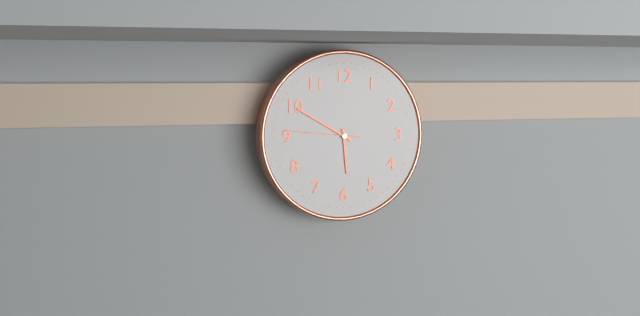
5 h 50 min 46 s
